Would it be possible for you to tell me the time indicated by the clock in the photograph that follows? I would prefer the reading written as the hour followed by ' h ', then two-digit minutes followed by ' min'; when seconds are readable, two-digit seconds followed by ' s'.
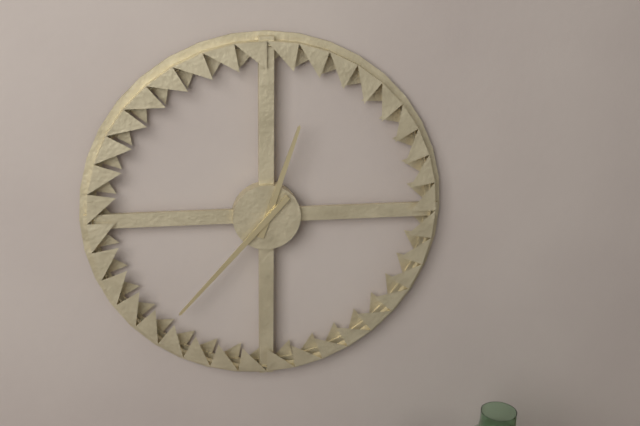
12 h 37 min
